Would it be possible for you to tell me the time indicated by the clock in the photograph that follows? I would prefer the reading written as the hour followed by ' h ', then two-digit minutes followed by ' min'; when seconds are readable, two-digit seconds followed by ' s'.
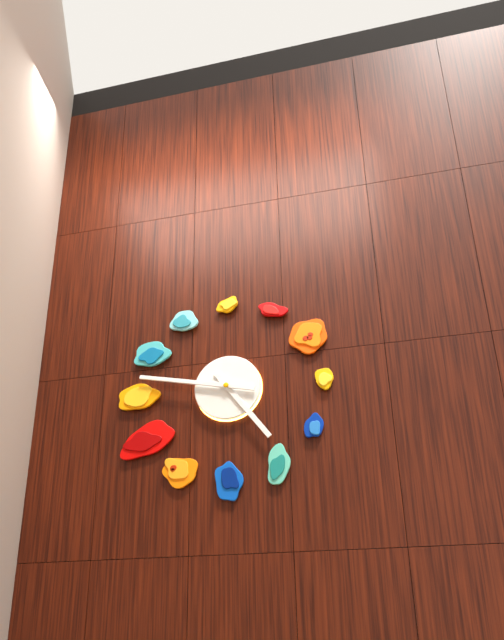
4 h 47 min
